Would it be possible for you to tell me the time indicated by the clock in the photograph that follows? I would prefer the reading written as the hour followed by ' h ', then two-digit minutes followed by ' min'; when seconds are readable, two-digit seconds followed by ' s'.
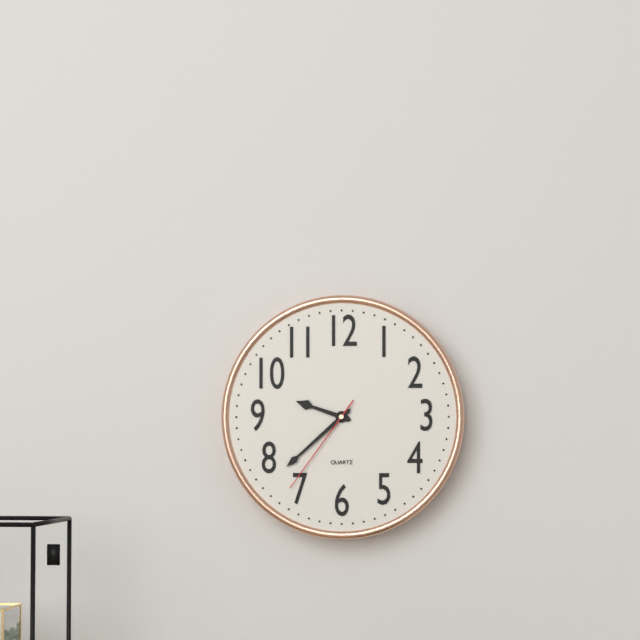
9 h 38 min 36 s
